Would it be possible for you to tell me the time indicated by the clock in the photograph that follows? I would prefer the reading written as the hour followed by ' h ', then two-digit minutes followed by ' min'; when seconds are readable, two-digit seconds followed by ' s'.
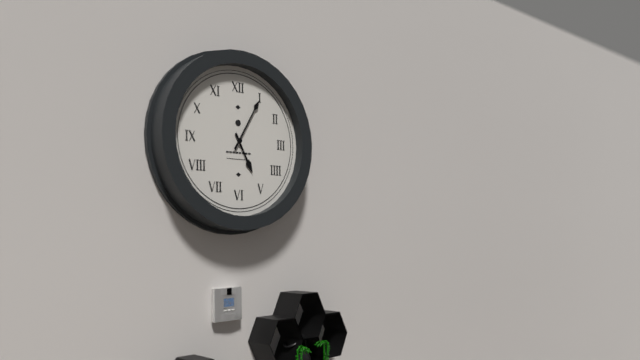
5 h 05 min
